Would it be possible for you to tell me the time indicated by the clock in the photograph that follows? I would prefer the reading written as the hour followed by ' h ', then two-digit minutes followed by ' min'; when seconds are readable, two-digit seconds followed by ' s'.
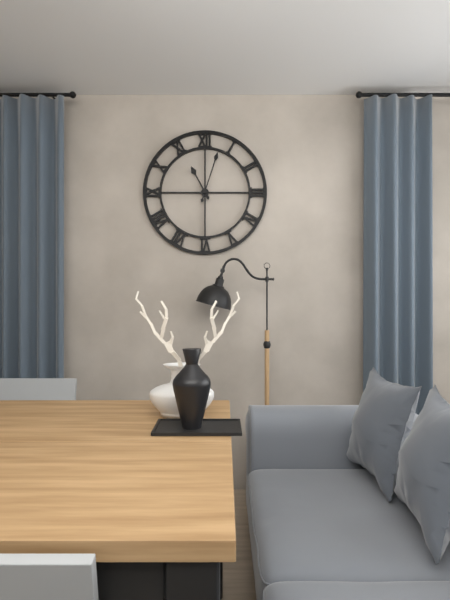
11 h 03 min
